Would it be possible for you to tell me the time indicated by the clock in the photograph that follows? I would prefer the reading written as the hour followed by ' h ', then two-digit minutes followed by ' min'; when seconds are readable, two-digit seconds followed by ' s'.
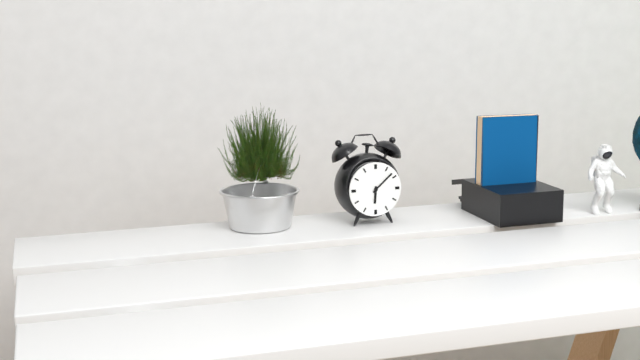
6 h 08 min
